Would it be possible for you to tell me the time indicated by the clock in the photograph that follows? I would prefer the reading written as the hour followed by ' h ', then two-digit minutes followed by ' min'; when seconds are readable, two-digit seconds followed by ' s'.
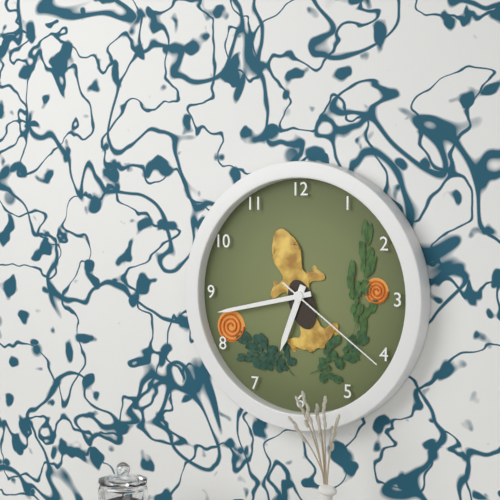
6 h 43 min 21 s
